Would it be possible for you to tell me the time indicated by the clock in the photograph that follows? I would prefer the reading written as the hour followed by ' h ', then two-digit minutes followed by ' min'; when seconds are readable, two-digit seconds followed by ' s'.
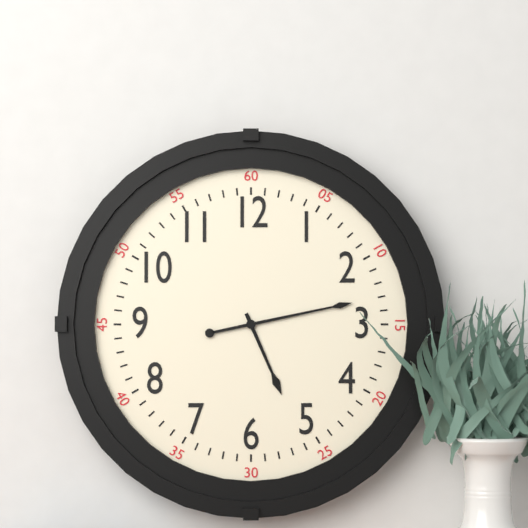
5 h 13 min
